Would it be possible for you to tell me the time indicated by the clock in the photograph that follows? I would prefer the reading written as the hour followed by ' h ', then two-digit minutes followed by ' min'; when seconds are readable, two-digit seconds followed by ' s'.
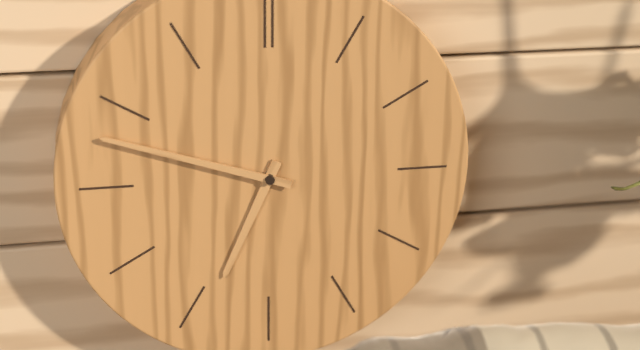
6 h 48 min
